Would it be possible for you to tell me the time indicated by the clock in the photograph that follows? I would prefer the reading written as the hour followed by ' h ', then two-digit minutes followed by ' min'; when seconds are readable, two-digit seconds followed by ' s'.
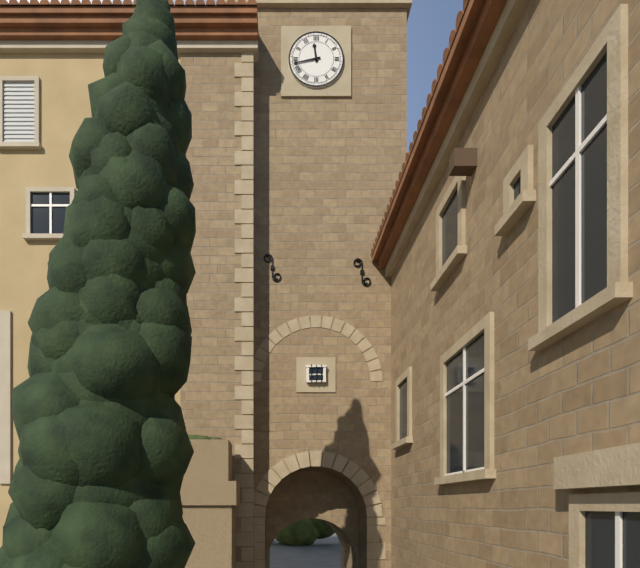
11 h 43 min
